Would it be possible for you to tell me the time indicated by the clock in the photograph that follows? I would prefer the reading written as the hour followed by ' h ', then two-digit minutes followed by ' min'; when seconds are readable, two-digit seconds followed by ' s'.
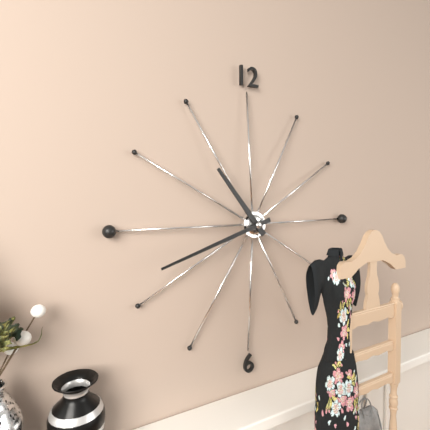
10 h 42 min
